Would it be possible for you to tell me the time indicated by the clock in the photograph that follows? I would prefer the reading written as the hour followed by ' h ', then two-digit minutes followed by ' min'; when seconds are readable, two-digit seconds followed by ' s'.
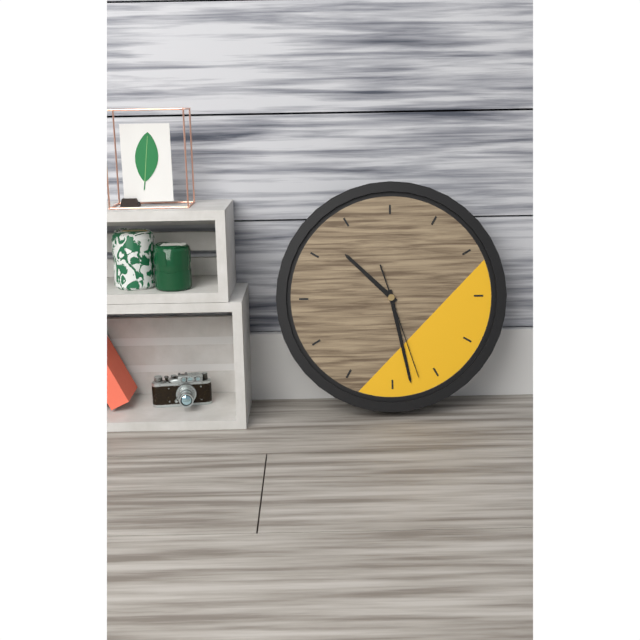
10 h 28 min 27 s
